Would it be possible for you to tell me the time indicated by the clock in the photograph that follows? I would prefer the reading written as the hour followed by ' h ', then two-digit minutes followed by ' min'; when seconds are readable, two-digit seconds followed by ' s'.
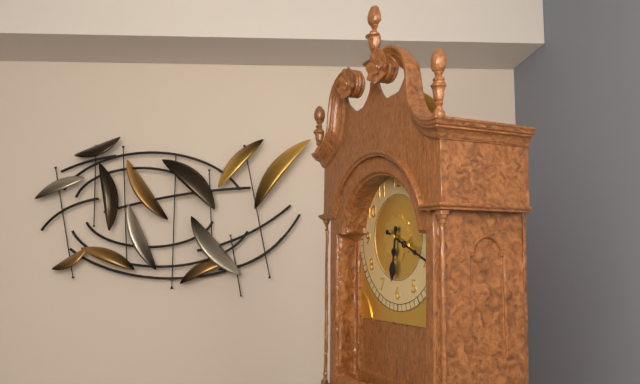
6 h 19 min
